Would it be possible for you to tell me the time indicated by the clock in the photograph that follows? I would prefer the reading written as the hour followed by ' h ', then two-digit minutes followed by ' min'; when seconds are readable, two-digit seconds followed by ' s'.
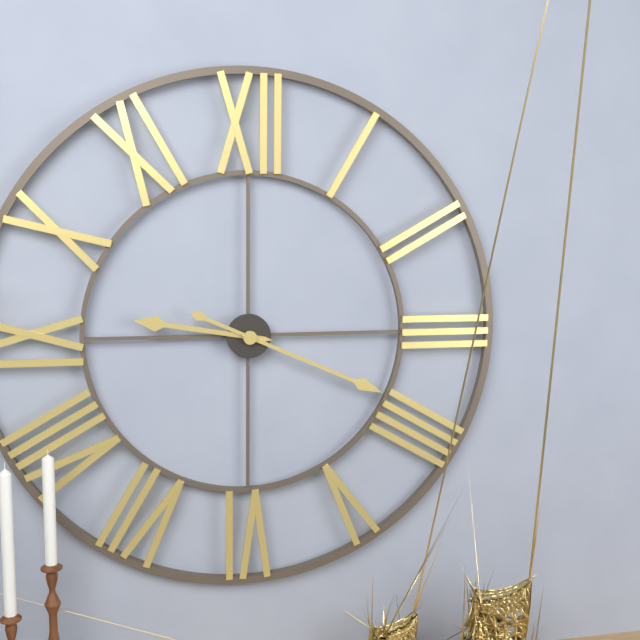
9 h 19 min
